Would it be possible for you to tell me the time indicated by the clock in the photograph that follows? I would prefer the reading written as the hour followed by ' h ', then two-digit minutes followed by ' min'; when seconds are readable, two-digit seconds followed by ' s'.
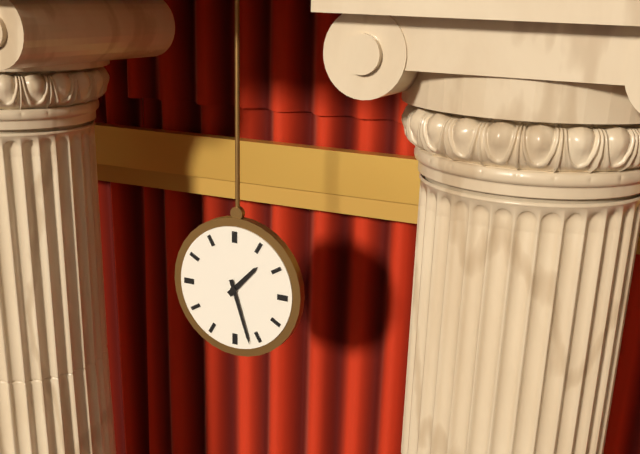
1 h 27 min
